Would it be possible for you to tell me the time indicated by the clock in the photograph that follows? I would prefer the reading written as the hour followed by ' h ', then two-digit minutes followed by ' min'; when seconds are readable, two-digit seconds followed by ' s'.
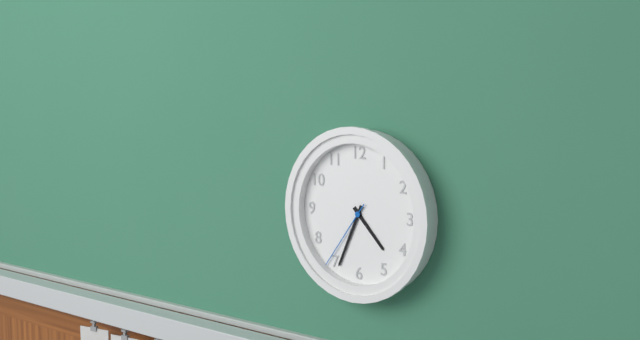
4 h 34 min 36 s
